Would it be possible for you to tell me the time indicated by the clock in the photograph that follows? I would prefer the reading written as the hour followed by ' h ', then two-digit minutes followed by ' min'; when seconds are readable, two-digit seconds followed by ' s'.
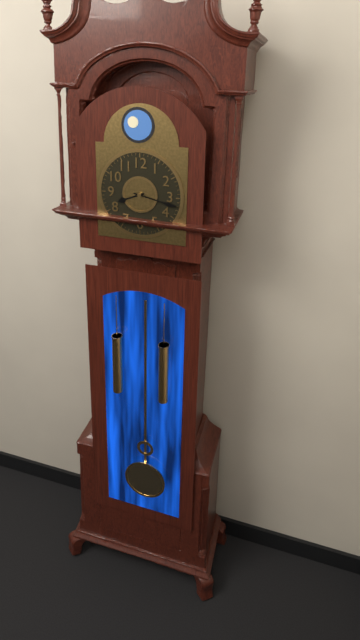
8 h 17 min
